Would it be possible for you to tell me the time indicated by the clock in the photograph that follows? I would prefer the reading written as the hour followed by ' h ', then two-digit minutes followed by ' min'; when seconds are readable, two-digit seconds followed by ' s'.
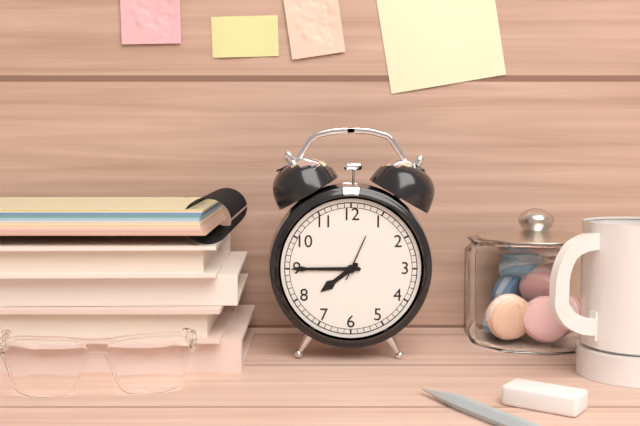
7 h 45 min
